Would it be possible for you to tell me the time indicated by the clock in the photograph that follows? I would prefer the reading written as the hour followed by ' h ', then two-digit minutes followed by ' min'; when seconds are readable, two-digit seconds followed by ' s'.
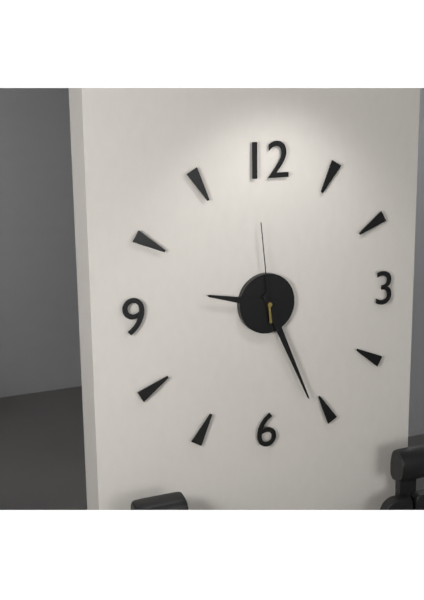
9 h 26 min 59 s
